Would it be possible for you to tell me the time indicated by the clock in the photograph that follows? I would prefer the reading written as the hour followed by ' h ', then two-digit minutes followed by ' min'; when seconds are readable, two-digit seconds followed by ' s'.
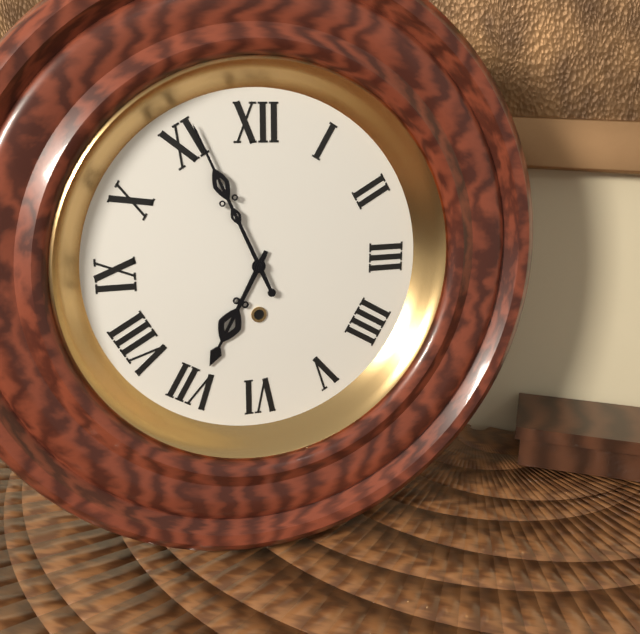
6 h 56 min
